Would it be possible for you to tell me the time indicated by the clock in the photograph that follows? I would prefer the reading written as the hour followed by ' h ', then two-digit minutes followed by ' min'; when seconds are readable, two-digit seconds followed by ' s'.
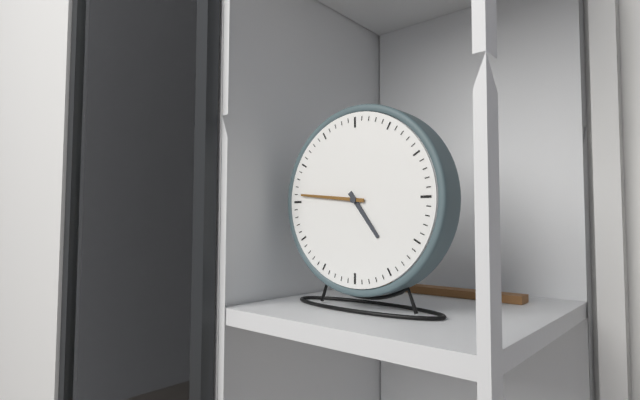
4 h 46 min
